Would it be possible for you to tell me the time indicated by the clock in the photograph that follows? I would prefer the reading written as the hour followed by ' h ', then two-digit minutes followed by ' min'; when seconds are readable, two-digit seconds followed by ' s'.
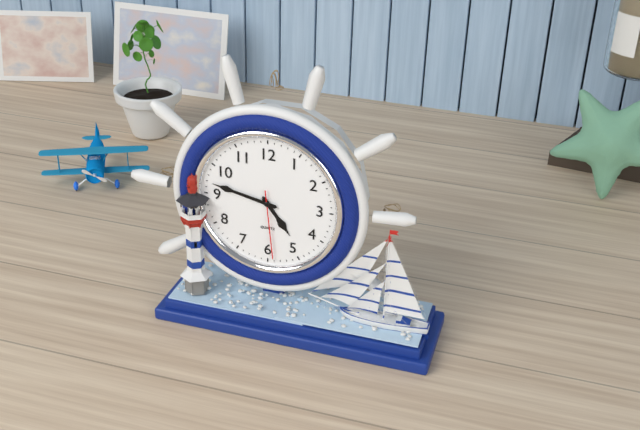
4 h 47 min 29 s
